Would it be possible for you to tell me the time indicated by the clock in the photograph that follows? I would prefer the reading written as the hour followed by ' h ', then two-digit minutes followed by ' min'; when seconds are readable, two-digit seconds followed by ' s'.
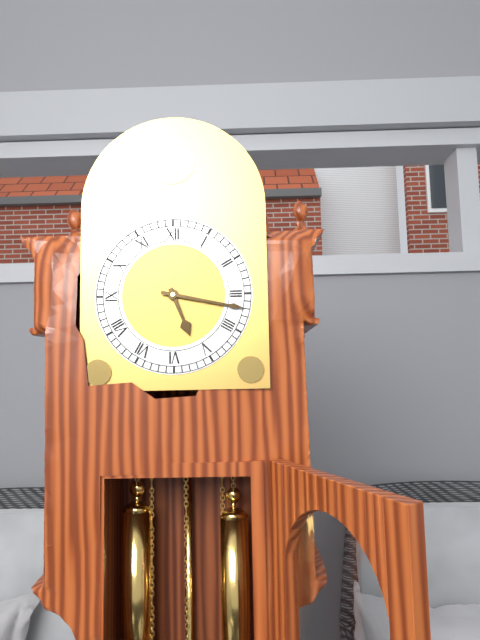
5 h 17 min
